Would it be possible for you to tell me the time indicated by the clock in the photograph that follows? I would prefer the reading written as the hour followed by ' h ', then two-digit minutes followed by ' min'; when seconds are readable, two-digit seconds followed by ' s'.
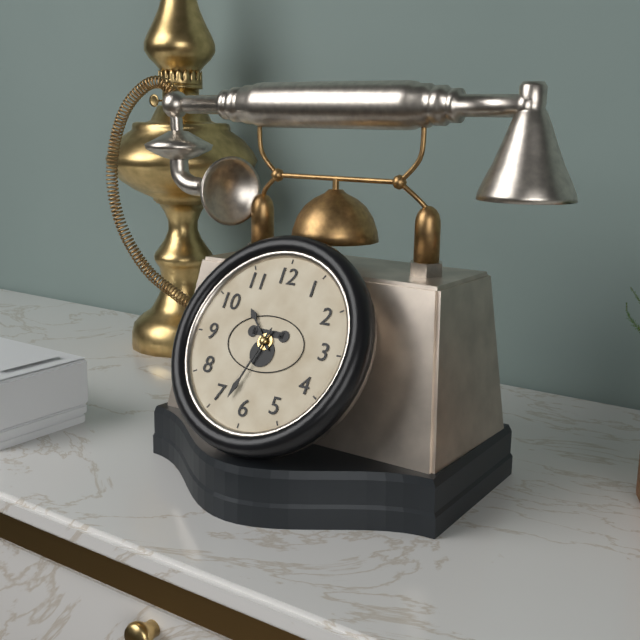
10 h 33 min
